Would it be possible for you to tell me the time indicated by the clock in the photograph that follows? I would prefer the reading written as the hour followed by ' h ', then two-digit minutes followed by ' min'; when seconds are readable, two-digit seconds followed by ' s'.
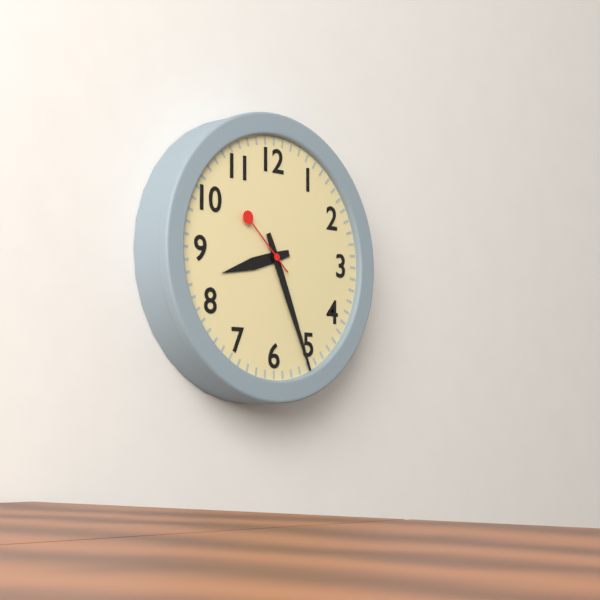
8 h 26 min 52 s
